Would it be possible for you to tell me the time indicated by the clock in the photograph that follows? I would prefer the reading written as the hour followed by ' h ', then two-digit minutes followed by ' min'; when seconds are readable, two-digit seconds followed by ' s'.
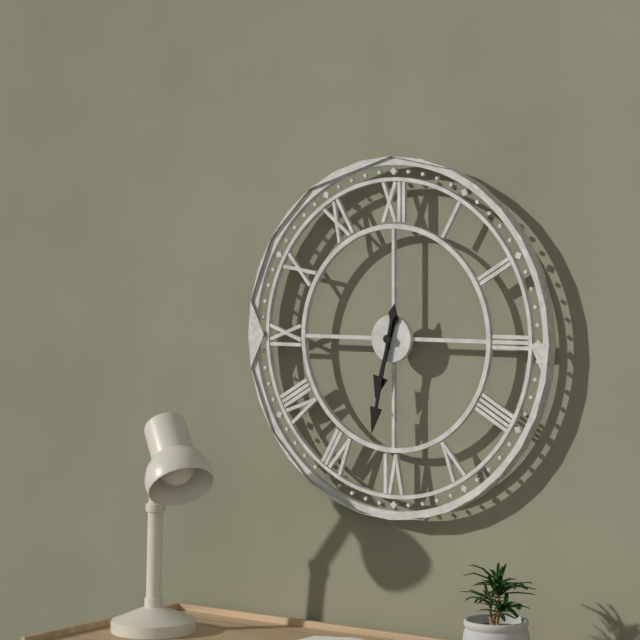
6 h 32 min
